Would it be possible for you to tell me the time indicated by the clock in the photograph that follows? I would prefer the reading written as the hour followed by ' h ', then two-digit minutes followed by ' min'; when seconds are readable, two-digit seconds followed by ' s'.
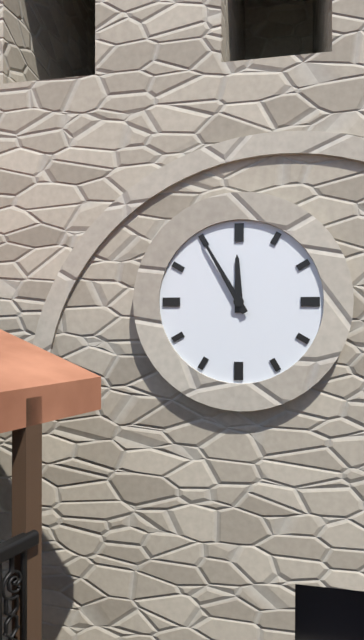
11 h 55 min
